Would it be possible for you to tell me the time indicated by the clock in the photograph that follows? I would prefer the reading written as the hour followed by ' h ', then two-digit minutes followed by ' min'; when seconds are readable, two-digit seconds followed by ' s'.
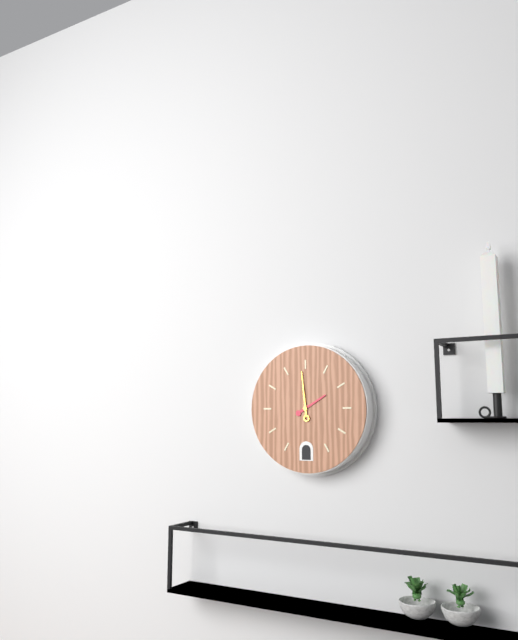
1 h 59 min
